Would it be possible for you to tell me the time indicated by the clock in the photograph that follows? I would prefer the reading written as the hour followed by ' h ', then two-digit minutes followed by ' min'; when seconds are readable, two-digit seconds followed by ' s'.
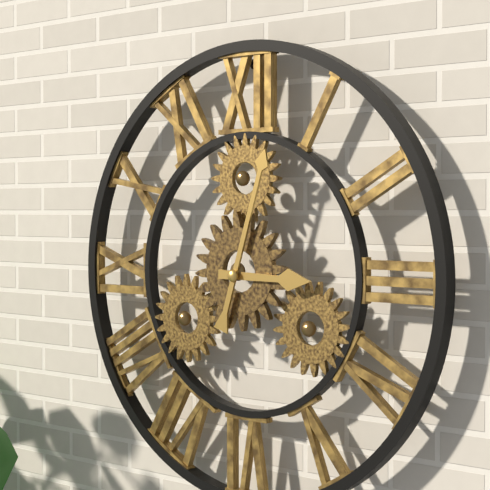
3 h 03 min
